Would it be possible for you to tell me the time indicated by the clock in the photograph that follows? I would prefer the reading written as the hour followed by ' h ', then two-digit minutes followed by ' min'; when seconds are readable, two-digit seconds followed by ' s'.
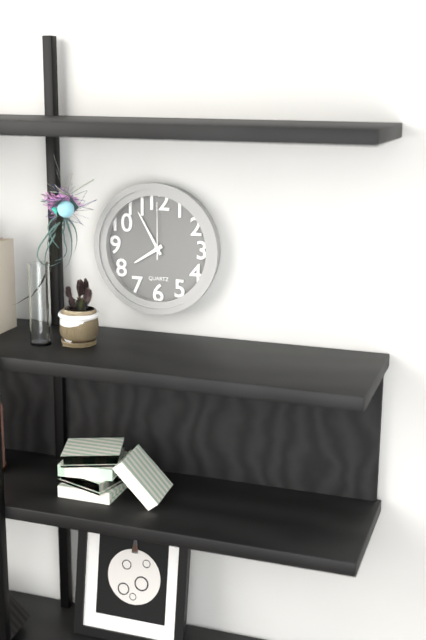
7 h 55 min 00 s
